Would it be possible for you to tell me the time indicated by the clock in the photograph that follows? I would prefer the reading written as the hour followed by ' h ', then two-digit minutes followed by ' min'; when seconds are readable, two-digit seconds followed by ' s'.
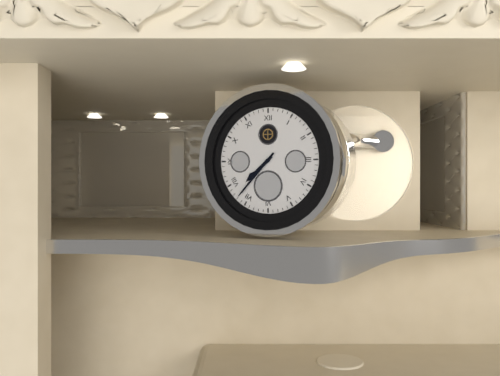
7 h 37 min
